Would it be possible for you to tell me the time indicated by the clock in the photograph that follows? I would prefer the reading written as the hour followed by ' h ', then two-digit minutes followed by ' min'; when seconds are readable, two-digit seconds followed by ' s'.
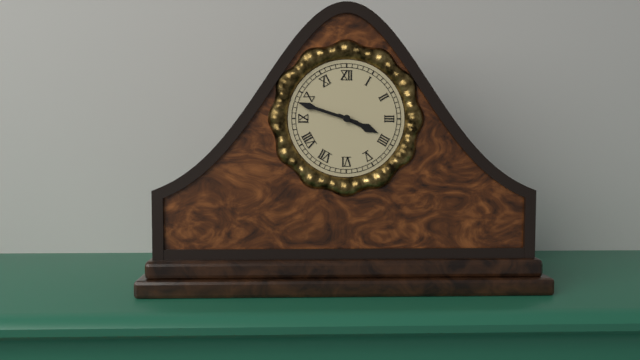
3 h 48 min
